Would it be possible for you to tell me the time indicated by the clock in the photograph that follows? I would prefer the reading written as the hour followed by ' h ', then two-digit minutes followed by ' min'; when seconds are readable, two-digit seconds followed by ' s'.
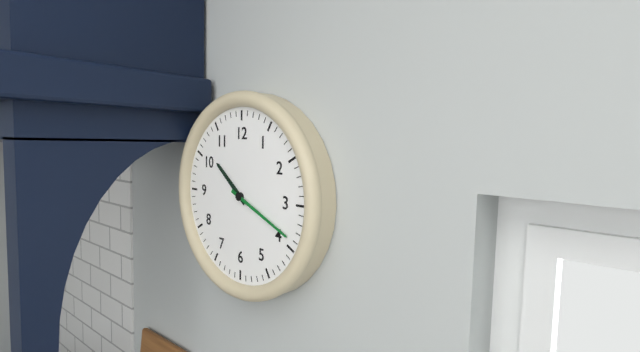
10 h 19 min
